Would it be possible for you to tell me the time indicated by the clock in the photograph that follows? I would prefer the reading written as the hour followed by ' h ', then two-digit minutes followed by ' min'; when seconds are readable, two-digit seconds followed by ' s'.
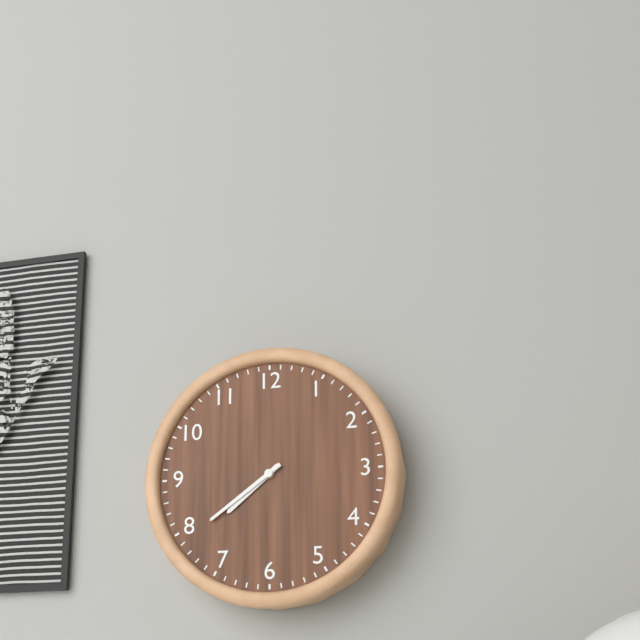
7 h 39 min
